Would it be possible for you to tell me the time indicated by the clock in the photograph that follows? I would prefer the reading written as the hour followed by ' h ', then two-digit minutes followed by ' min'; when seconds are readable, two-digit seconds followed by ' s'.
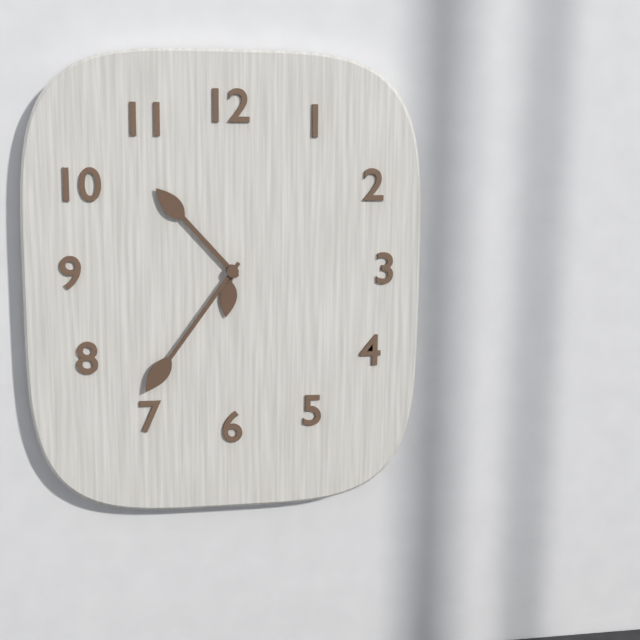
10 h 36 min
